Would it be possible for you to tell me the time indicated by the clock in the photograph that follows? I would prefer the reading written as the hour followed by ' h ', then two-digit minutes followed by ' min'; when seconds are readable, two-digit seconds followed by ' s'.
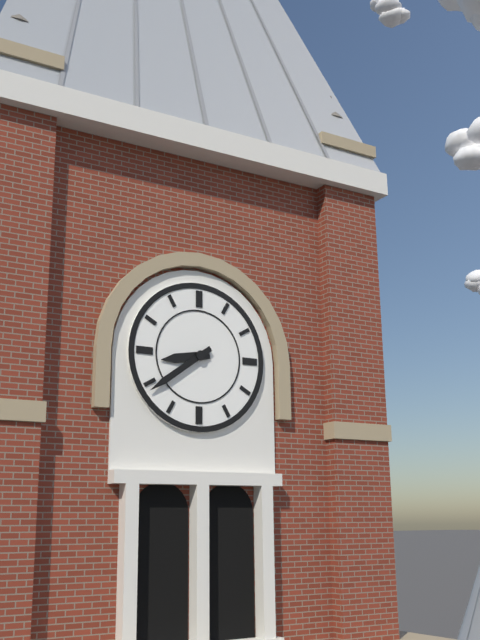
8 h 39 min
